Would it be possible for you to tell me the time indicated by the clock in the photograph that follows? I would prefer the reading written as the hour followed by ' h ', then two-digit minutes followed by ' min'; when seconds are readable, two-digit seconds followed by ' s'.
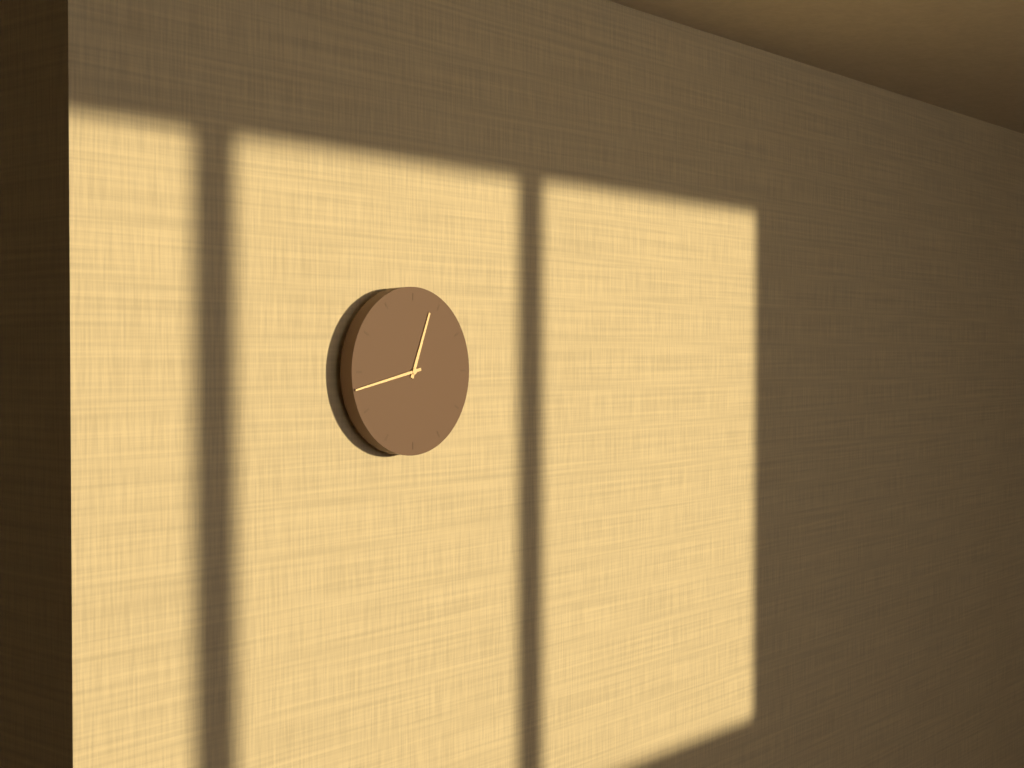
12 h 43 min
